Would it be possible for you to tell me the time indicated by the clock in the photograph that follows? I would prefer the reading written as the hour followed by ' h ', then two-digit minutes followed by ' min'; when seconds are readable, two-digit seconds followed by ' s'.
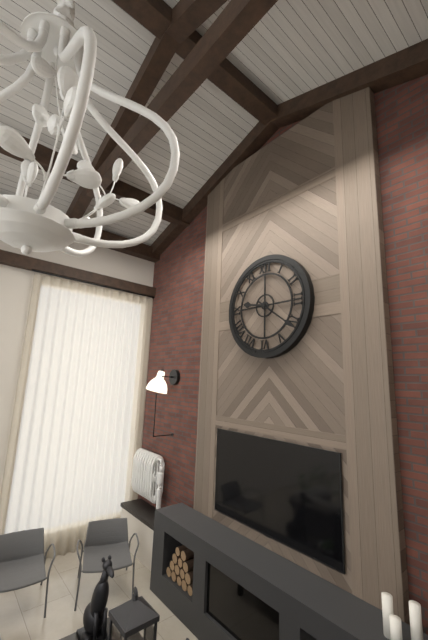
9 h 21 min
